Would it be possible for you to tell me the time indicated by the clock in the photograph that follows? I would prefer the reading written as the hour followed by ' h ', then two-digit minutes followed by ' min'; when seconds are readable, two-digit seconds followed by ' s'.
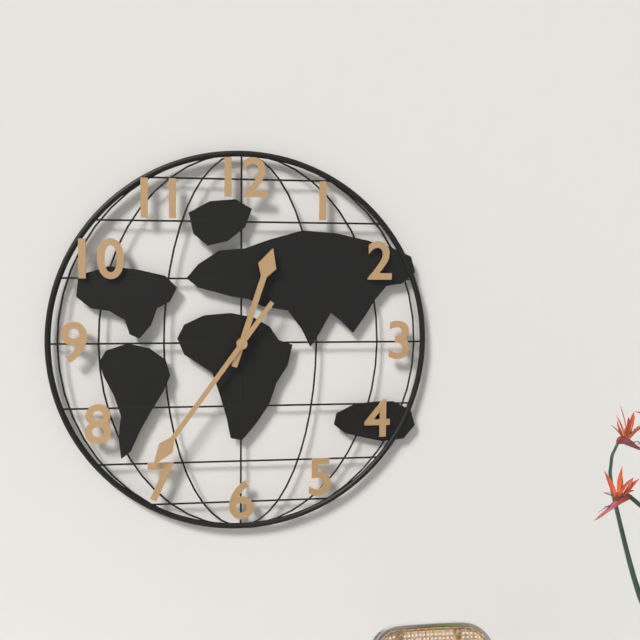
12 h 36 min
